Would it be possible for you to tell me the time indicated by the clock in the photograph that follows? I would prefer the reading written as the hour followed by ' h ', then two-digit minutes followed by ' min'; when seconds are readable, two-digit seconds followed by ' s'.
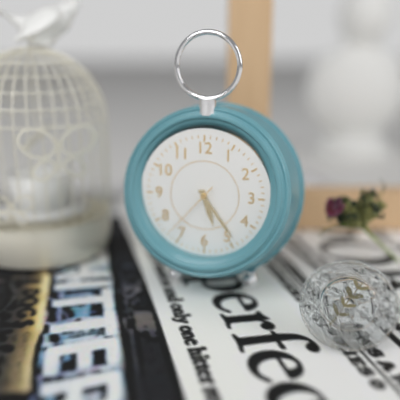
5 h 24 min 37 s
